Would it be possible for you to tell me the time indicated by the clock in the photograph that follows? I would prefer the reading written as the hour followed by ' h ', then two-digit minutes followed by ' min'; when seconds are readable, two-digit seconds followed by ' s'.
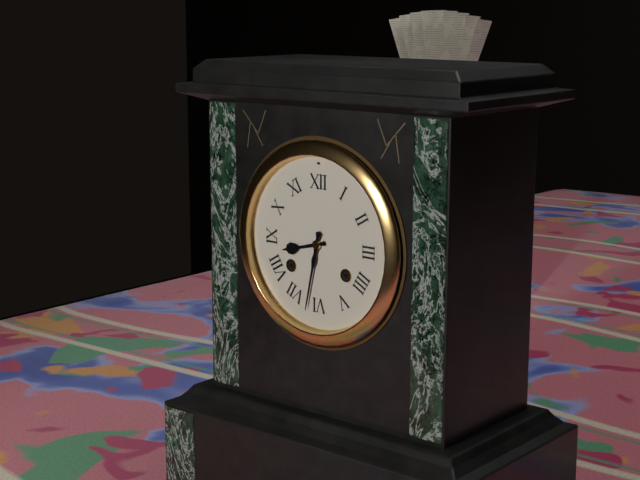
8 h 32 min
